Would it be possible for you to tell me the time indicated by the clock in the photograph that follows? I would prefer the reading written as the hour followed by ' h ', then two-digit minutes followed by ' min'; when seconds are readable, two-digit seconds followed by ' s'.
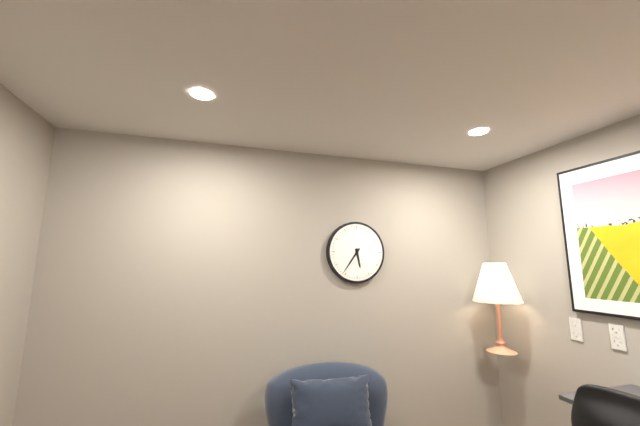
5 h 36 min
